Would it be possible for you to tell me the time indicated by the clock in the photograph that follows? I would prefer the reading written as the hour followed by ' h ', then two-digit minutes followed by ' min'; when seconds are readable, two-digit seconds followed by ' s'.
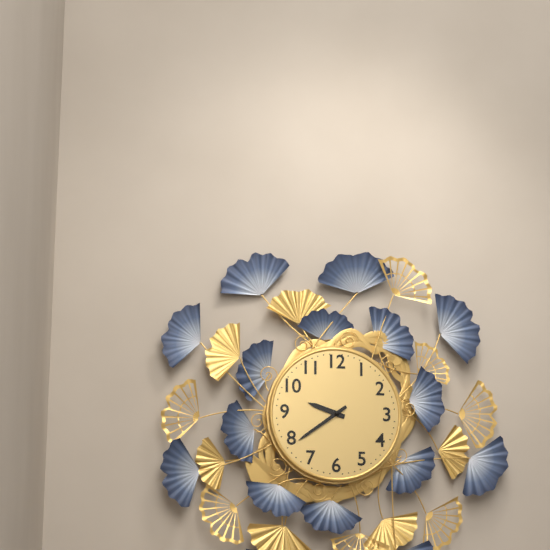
9 h 39 min
